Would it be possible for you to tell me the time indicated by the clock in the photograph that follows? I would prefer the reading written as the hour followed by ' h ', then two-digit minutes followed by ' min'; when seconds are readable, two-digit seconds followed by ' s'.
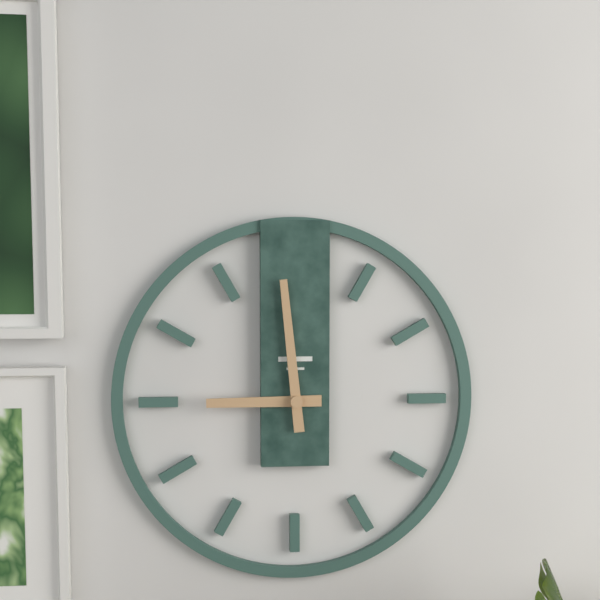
8 h 59 min
